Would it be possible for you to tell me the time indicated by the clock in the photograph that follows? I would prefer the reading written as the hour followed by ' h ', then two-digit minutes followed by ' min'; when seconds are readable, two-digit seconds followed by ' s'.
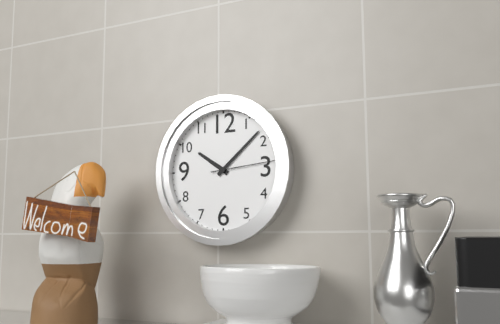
10 h 08 min 14 s
